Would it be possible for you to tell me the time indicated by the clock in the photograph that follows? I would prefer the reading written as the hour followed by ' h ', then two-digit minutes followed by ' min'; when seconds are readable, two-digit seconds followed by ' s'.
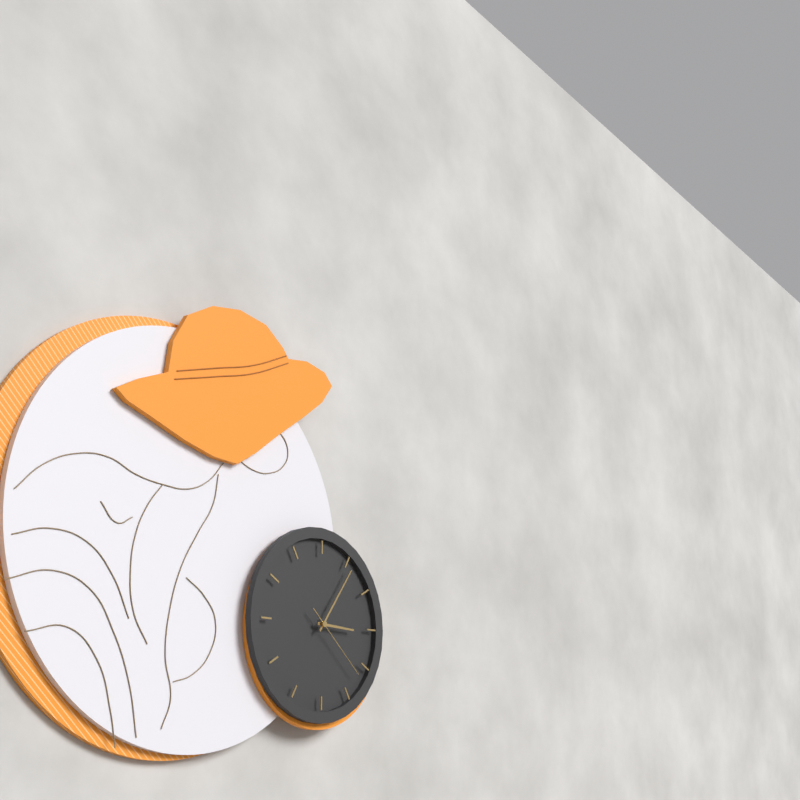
3 h 06 min 22 s
